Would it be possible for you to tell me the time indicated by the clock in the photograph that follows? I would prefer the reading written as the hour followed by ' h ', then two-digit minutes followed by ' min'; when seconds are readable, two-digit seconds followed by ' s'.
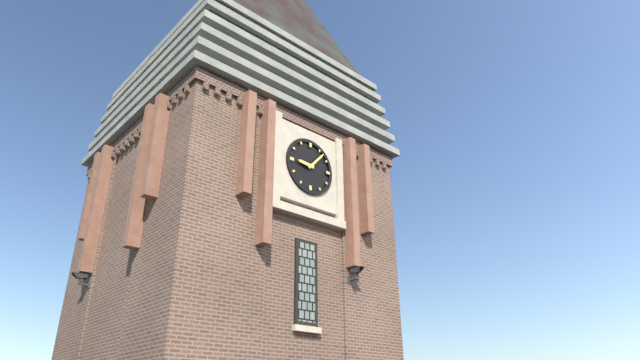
9 h 07 min
